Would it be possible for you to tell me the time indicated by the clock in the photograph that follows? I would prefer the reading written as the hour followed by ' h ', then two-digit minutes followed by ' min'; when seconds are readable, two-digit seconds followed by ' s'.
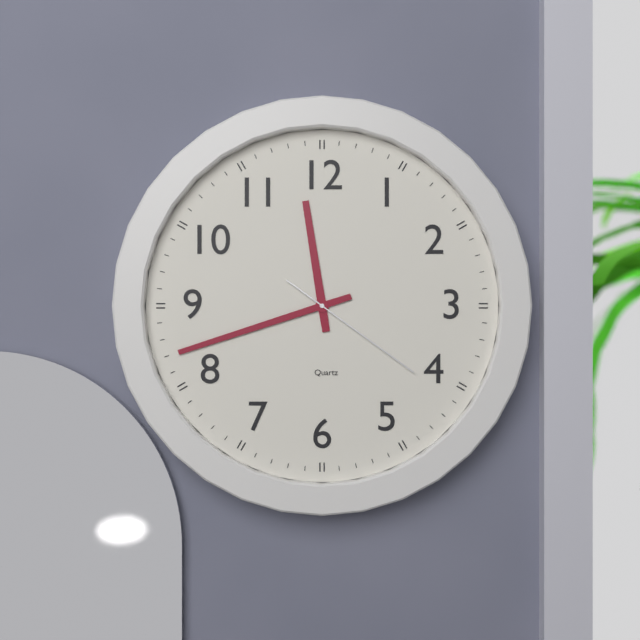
11 h 42 min 21 s
